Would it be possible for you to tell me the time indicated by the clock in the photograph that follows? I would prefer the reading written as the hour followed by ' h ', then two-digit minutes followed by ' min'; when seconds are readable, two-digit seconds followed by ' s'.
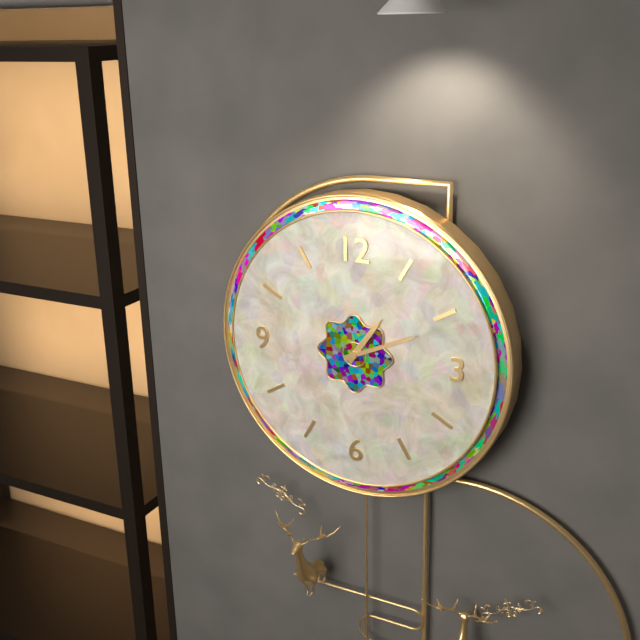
1 h 11 min
